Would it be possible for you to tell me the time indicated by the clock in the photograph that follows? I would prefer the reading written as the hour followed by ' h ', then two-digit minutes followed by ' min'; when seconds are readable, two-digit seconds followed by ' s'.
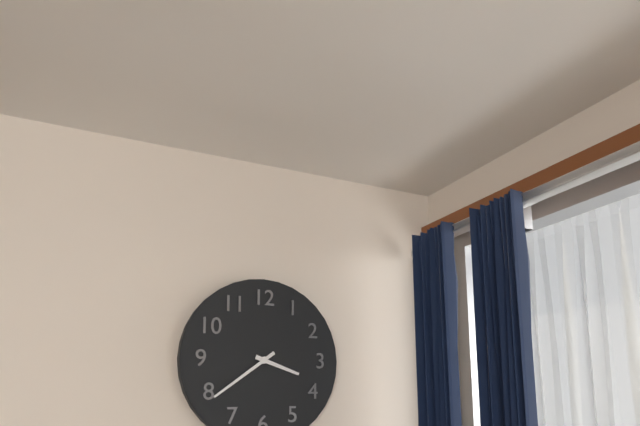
3 h 39 min
